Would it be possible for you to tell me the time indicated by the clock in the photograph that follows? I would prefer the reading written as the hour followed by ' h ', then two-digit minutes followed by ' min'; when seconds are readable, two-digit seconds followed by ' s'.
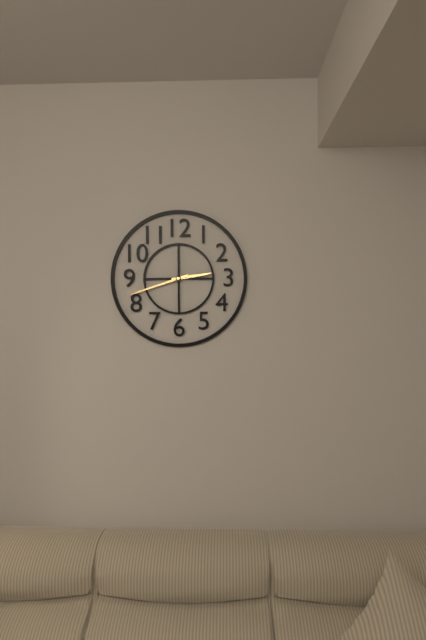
2 h 42 min
